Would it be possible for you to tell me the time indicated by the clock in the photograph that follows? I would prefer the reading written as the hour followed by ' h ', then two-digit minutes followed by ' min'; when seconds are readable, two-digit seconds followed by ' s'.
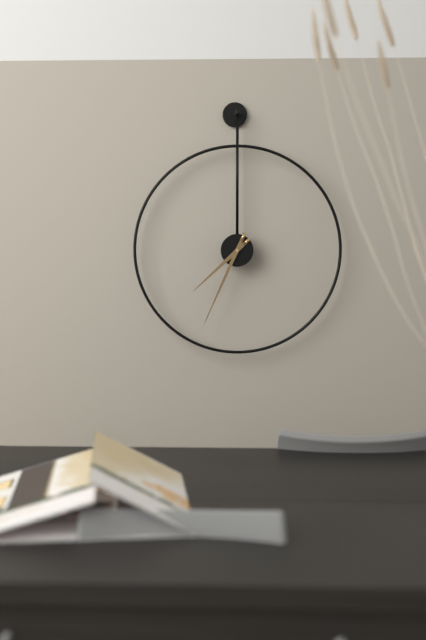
7 h 34 min
